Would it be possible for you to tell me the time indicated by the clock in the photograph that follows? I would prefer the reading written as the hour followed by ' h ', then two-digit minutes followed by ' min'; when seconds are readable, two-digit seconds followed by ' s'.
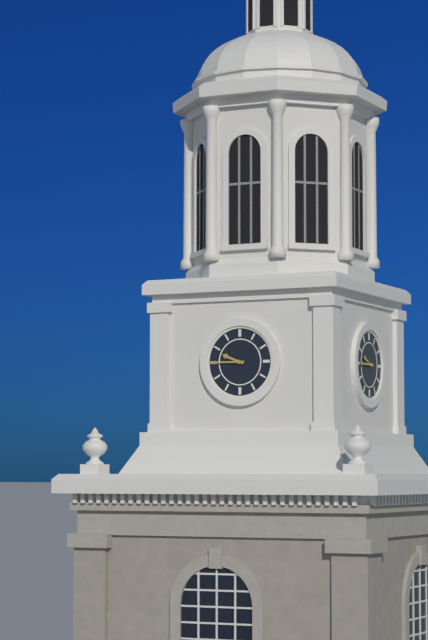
9 h 45 min
